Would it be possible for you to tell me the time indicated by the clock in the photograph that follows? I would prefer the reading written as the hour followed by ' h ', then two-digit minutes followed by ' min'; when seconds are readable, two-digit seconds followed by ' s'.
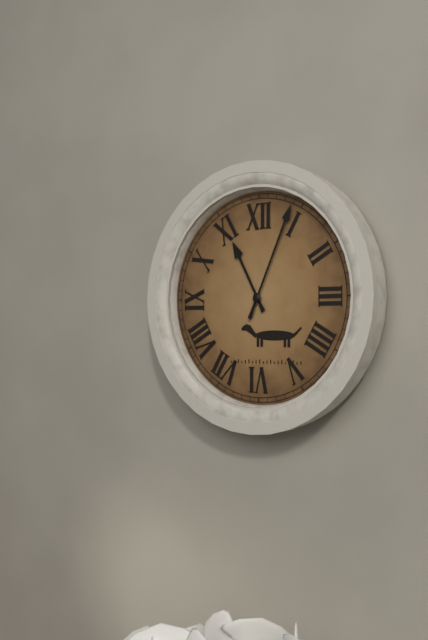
11 h 04 min
